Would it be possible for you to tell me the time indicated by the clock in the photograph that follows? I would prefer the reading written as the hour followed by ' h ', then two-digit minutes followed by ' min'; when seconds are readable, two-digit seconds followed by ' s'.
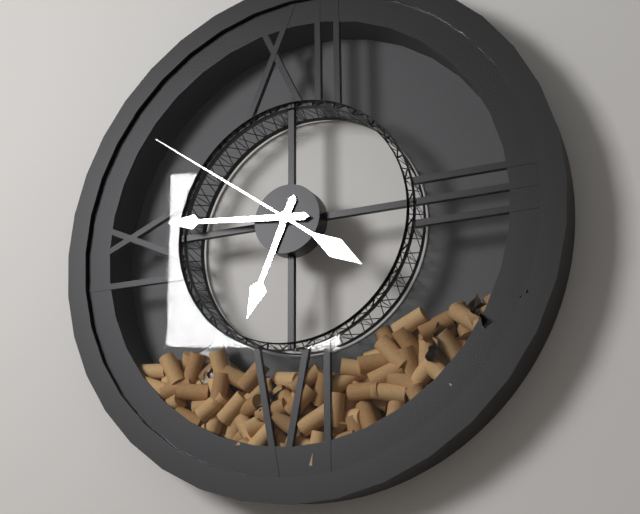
6 h 46 min 51 s
